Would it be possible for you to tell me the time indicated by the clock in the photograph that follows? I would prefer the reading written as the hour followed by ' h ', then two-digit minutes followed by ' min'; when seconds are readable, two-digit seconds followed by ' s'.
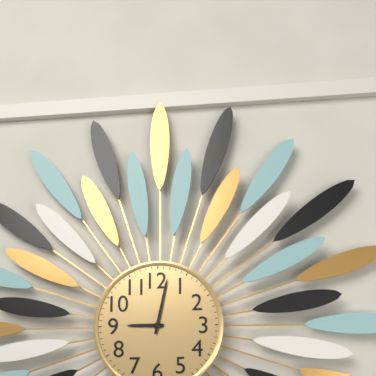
9 h 02 min
